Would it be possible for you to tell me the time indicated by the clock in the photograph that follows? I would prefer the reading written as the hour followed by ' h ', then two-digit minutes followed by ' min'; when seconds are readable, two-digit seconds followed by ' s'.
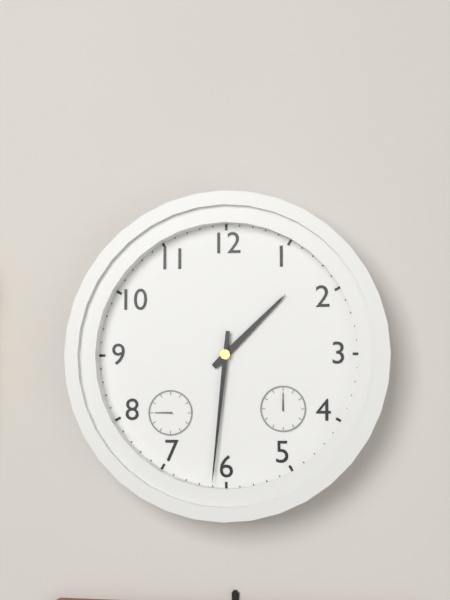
1 h 31 min
